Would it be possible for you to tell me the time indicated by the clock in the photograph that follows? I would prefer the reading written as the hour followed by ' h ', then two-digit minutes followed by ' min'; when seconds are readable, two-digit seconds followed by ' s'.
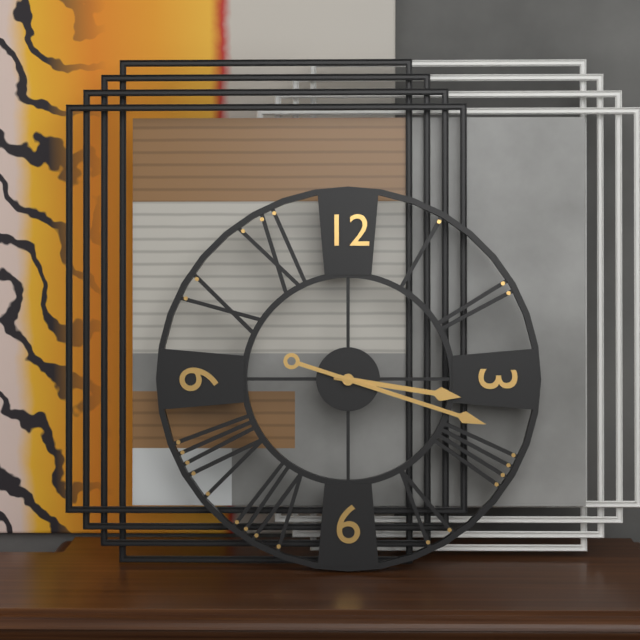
3 h 18 min
